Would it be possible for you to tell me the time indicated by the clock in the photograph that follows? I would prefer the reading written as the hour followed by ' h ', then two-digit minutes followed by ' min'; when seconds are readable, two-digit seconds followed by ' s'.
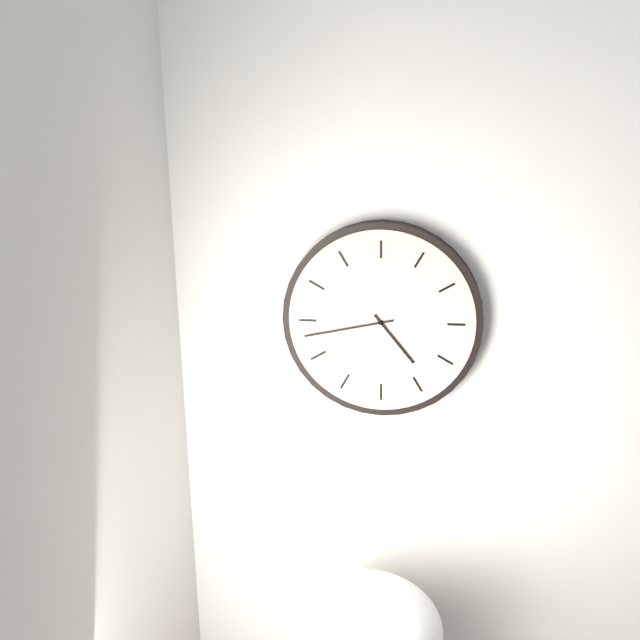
4 h 43 min
